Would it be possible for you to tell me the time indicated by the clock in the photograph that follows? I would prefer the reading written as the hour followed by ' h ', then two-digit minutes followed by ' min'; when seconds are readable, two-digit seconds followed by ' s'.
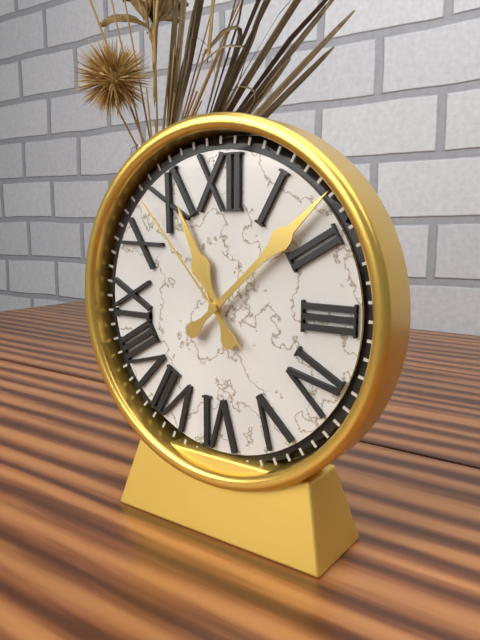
11 h 08 min 53 s
